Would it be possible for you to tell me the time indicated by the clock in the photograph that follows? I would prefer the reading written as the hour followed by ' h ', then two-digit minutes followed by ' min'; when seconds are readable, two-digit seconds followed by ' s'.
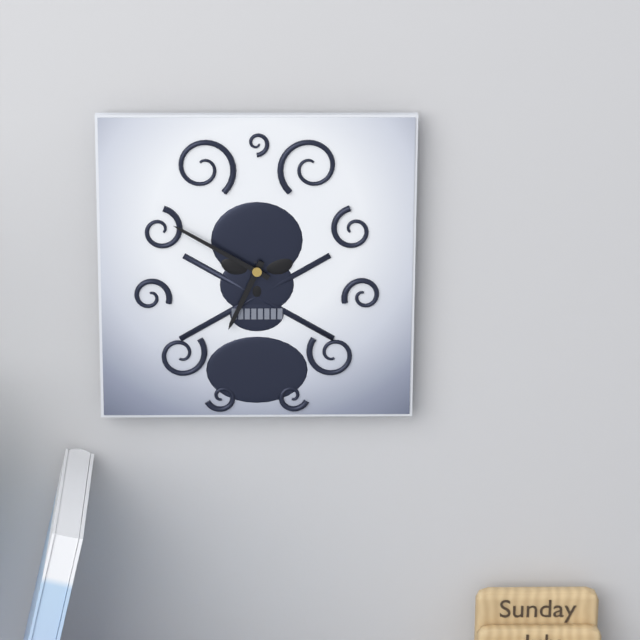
6 h 50 min
